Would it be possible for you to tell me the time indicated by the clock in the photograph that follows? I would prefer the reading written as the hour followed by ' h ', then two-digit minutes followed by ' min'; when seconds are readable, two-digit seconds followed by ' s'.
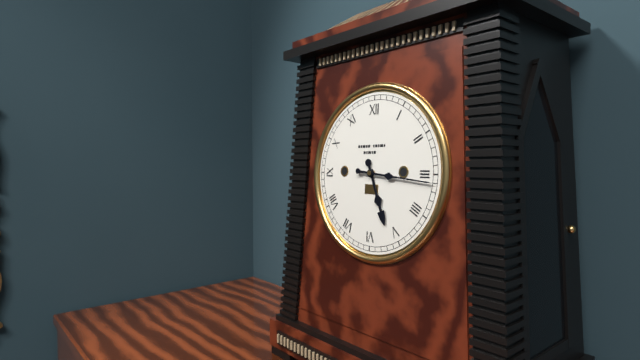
5 h 16 min
